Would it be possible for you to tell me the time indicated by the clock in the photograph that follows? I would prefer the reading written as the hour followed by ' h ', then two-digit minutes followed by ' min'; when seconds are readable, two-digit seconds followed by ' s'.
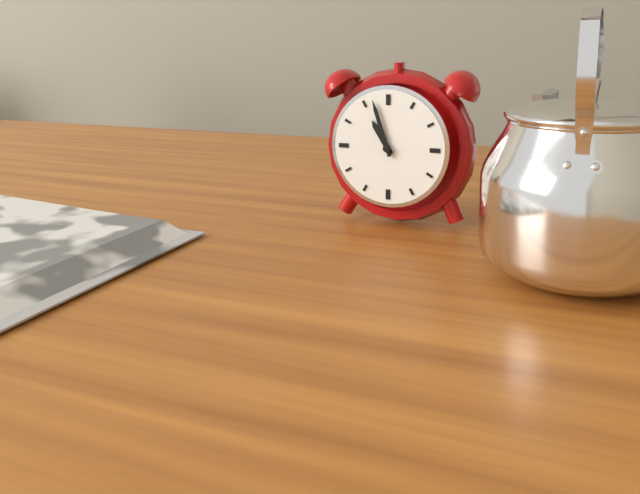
10 h 57 min
